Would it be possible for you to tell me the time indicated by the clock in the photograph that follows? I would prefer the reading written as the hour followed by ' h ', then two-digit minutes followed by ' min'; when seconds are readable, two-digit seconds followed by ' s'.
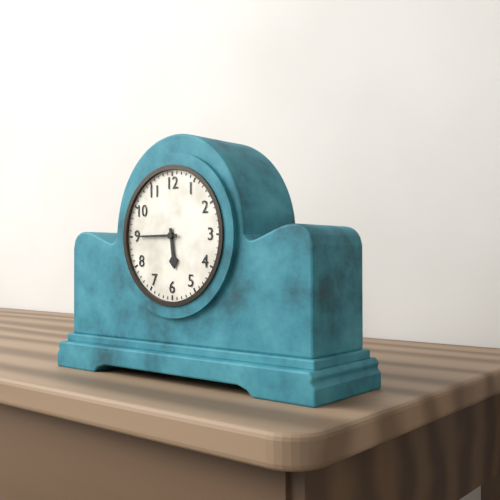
5 h 45 min
